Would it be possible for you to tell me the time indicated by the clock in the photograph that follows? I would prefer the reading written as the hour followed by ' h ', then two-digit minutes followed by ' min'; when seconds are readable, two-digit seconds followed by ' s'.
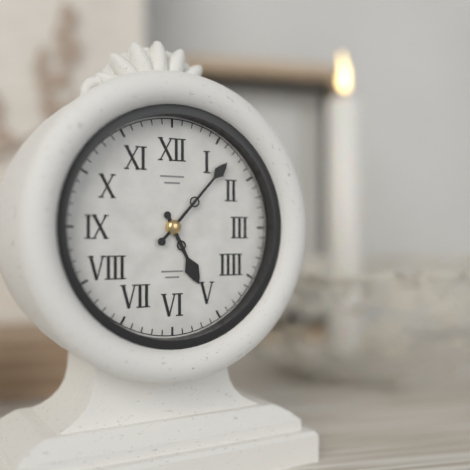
5 h 07 min
